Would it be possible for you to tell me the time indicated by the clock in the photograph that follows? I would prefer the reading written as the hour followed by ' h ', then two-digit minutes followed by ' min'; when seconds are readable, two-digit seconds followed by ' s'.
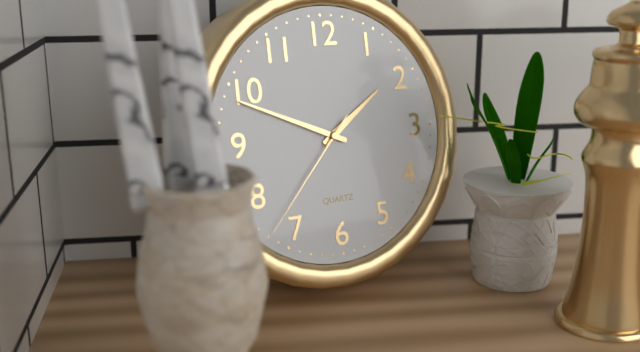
1 h 49 min 37 s
